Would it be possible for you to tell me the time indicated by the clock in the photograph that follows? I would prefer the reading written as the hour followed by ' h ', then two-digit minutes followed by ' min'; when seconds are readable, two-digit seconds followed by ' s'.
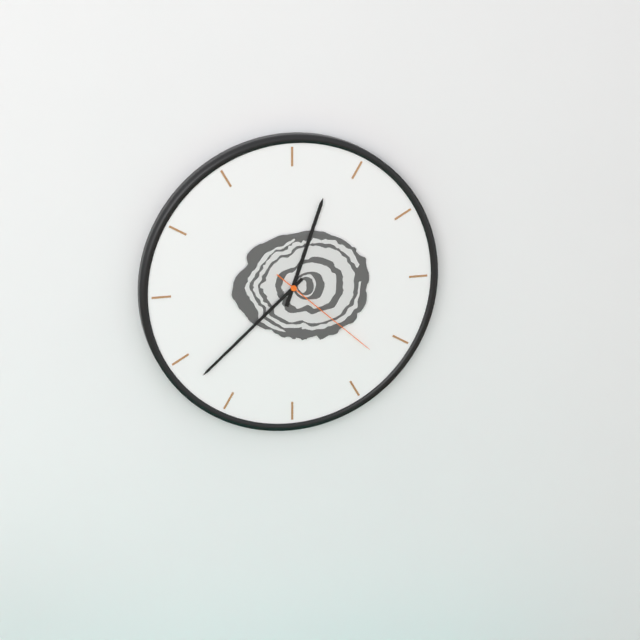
12 h 38 min 22 s
